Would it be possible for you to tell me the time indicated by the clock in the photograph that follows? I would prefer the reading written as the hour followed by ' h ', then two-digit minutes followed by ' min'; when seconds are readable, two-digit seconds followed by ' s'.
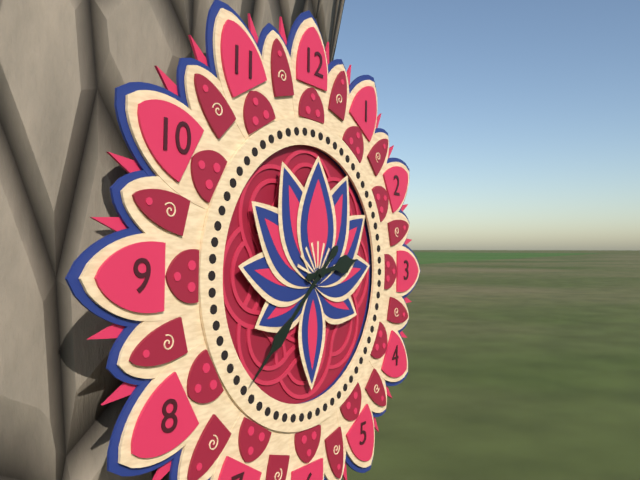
2 h 38 min
